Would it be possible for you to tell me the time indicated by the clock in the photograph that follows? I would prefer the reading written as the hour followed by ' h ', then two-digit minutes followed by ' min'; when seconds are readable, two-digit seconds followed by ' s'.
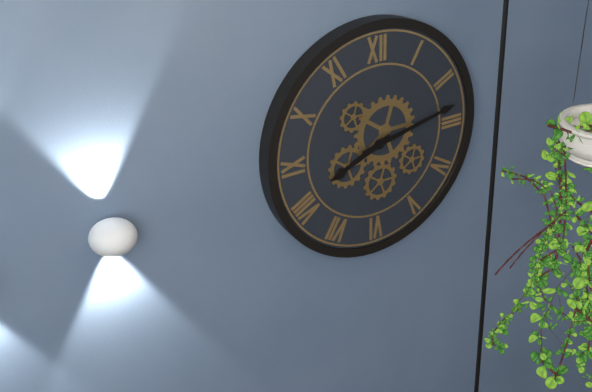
8 h 13 min
